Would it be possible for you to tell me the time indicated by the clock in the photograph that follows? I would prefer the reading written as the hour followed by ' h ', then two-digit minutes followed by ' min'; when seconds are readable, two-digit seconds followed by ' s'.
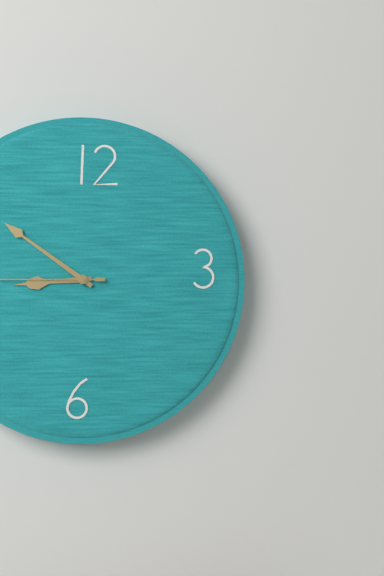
8 h 51 min
